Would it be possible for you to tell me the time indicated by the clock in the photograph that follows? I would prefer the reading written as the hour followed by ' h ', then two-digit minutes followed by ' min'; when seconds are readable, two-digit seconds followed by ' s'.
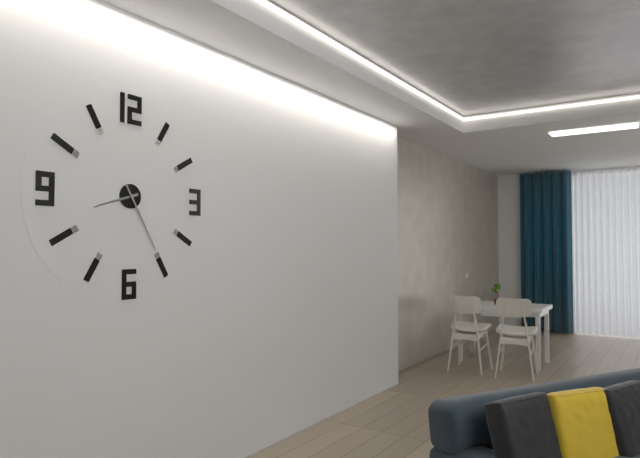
8 h 25 min
